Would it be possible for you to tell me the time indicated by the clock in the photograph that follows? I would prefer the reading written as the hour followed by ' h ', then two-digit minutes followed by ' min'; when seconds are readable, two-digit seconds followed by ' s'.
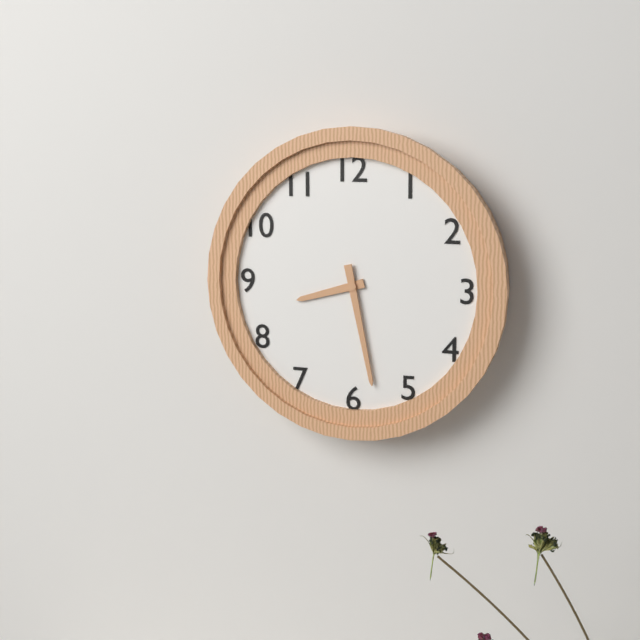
8 h 28 min
